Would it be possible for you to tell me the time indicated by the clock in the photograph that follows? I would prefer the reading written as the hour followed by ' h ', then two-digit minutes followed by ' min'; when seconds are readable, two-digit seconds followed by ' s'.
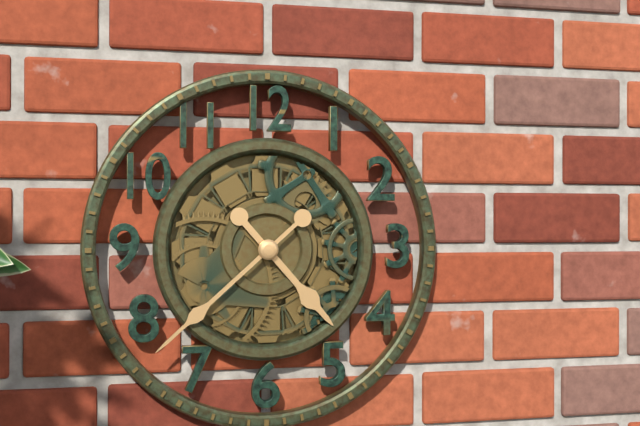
4 h 38 min
